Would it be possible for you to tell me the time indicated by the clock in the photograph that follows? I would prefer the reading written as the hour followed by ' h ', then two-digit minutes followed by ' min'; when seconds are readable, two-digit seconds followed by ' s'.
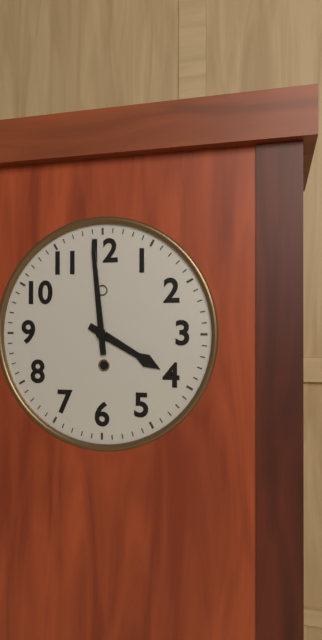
3 h 59 min
